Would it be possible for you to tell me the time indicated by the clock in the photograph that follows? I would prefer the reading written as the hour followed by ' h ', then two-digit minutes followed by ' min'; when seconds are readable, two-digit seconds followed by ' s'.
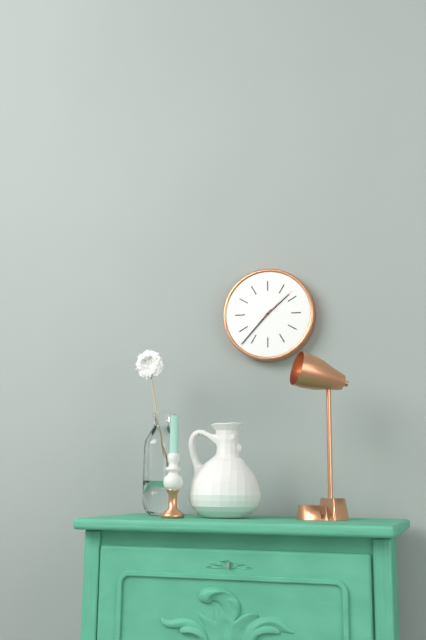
1 h 37 min
